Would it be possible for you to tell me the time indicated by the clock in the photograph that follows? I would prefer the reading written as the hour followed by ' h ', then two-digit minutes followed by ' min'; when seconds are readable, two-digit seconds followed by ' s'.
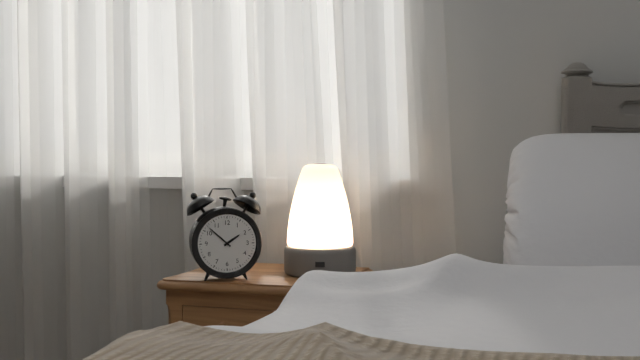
1 h 52 min
